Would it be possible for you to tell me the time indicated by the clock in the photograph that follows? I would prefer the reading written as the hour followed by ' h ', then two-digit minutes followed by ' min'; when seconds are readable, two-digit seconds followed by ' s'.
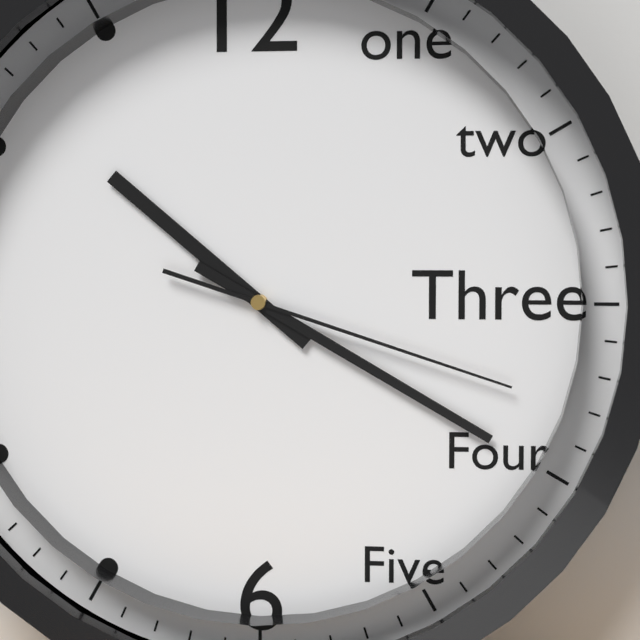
10 h 20 min 18 s
